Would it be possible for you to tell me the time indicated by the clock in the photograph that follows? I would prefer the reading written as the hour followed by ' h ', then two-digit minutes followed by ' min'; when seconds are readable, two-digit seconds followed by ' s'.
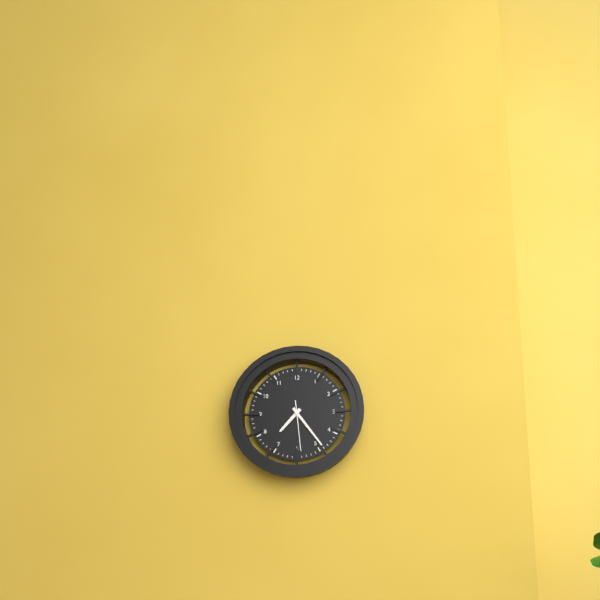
7 h 24 min
